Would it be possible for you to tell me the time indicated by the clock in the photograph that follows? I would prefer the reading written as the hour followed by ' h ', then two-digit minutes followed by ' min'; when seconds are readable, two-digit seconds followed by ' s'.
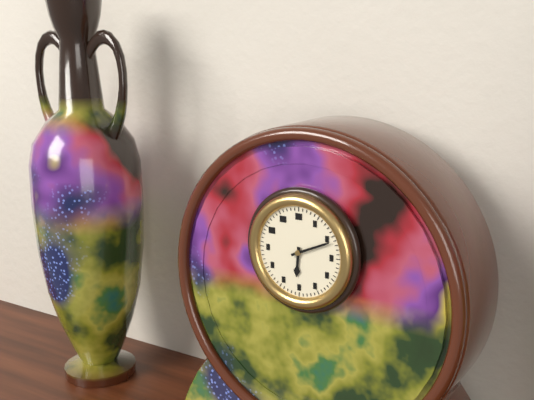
6 h 11 min
